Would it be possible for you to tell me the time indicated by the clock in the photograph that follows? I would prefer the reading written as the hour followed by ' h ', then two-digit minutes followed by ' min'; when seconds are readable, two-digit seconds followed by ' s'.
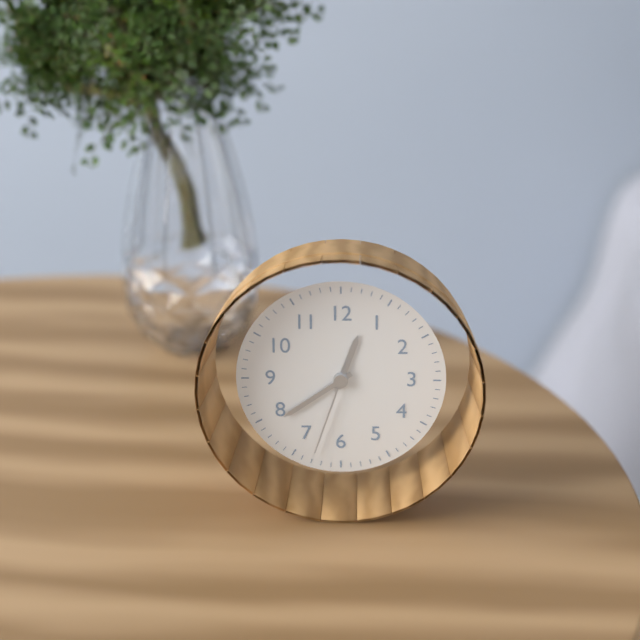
12 h 39 min 33 s
